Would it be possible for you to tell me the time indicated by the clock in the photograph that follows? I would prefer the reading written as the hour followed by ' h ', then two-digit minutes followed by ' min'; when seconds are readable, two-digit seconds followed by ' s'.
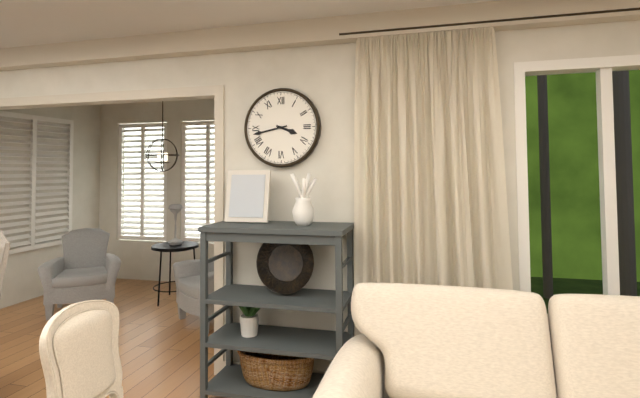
3 h 43 min
